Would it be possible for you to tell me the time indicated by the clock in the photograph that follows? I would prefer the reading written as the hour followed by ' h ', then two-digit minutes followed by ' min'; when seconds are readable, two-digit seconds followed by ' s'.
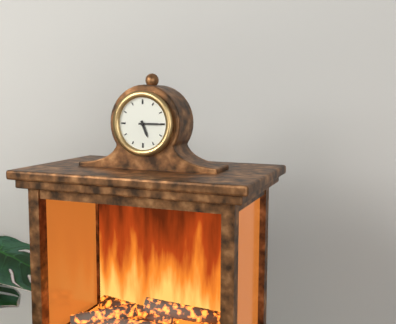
5 h 15 min
